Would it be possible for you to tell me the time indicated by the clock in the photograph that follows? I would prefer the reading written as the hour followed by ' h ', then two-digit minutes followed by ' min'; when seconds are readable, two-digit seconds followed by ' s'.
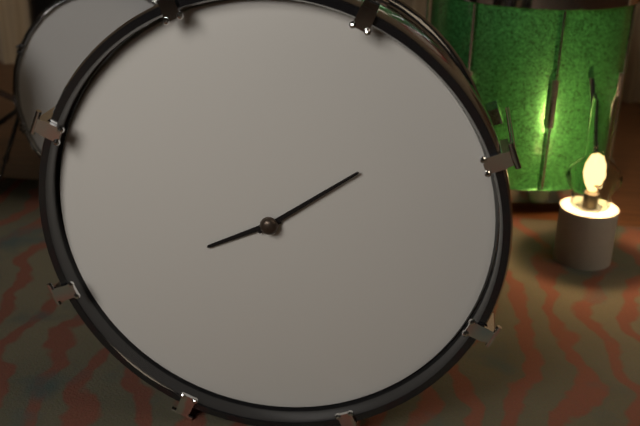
8 h 09 min
